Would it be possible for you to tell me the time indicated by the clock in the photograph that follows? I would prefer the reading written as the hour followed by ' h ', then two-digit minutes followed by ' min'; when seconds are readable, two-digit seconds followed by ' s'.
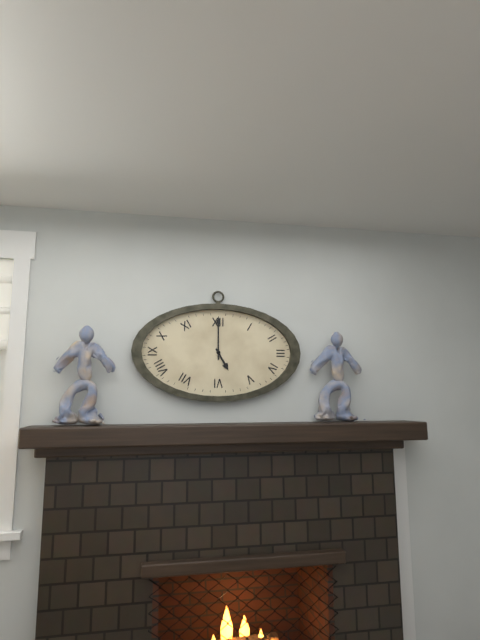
5 h 00 min
